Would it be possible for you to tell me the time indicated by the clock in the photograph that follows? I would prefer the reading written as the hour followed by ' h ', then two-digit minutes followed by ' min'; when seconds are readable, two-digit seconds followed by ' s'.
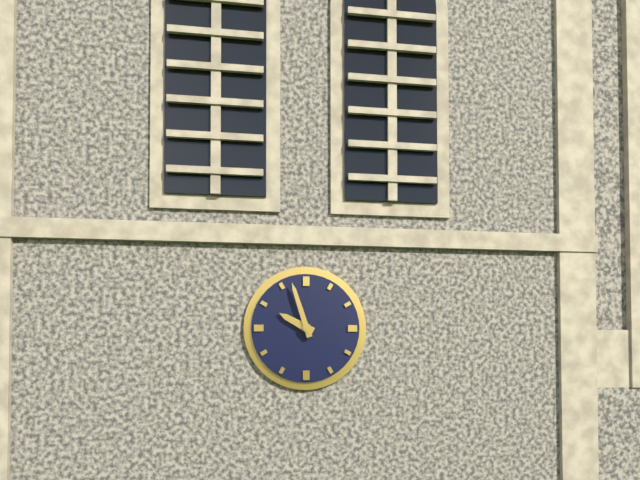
9 h 57 min
